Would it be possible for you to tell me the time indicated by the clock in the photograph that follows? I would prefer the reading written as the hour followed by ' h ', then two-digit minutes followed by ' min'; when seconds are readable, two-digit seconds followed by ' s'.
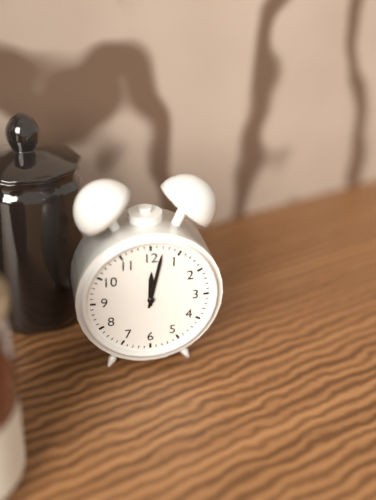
12 h 02 min
